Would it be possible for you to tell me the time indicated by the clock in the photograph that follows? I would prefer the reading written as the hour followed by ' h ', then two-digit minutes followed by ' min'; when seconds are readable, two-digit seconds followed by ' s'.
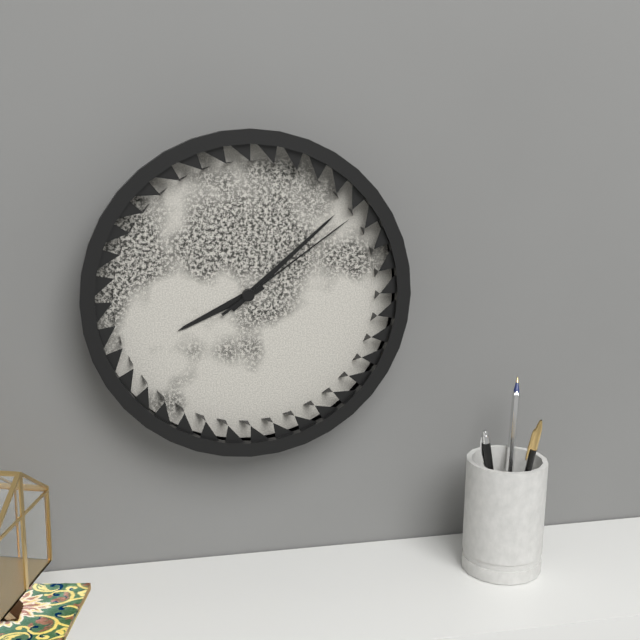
8 h 08 min 09 s
